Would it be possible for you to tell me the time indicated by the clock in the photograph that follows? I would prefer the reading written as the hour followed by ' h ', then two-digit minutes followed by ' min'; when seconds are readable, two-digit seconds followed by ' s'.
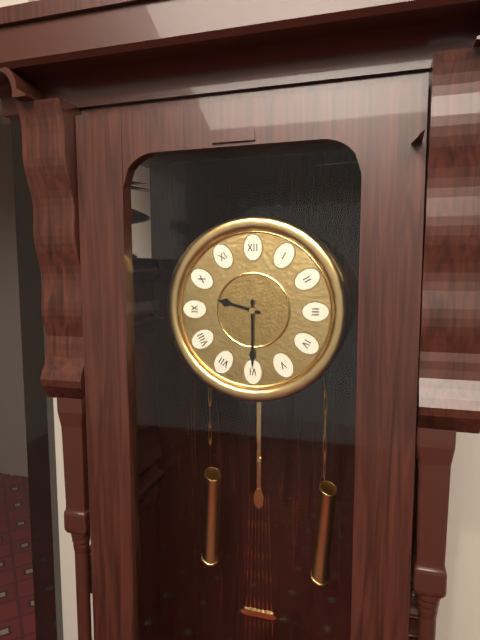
9 h 30 min
